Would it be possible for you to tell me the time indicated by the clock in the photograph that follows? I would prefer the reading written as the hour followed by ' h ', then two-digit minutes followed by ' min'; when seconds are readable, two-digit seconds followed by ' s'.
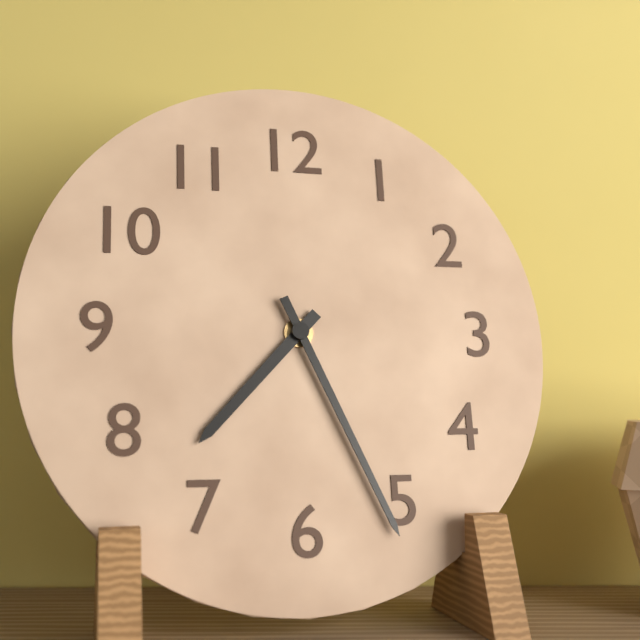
7 h 26 min
